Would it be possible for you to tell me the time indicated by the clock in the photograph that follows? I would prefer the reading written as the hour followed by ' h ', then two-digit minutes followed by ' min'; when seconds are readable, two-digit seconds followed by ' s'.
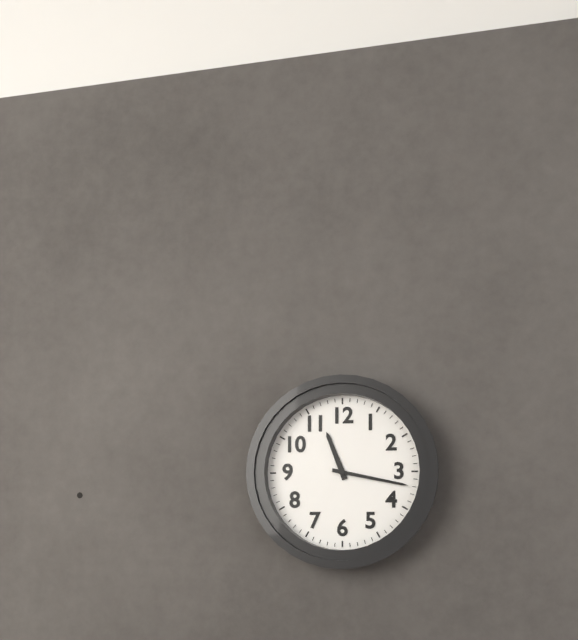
11 h 17 min
